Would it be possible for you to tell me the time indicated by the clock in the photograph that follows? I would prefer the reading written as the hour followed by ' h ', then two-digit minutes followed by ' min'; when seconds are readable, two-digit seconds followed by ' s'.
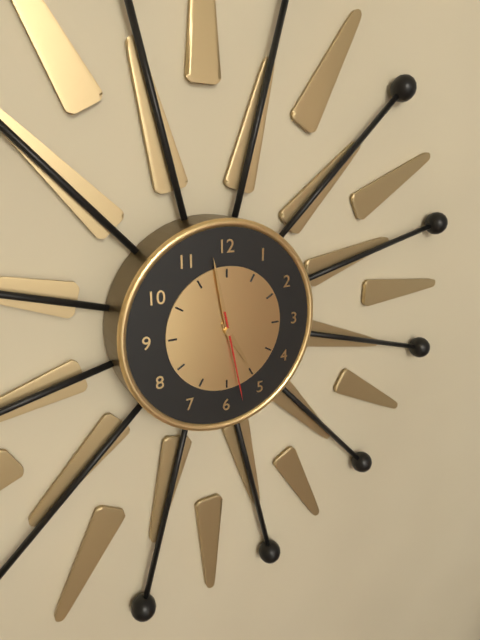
4 h 58 min 28 s
